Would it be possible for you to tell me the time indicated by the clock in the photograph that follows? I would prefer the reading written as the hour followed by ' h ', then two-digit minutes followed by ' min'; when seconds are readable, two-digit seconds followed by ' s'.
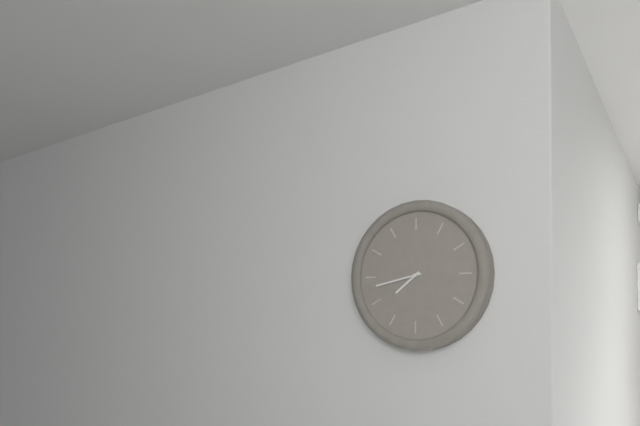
7 h 43 min
